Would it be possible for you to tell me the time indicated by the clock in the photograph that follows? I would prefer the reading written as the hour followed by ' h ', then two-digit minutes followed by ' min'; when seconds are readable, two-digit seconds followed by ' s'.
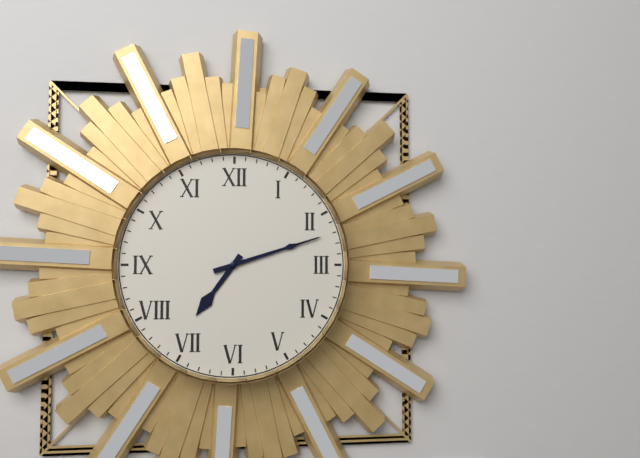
7 h 12 min
